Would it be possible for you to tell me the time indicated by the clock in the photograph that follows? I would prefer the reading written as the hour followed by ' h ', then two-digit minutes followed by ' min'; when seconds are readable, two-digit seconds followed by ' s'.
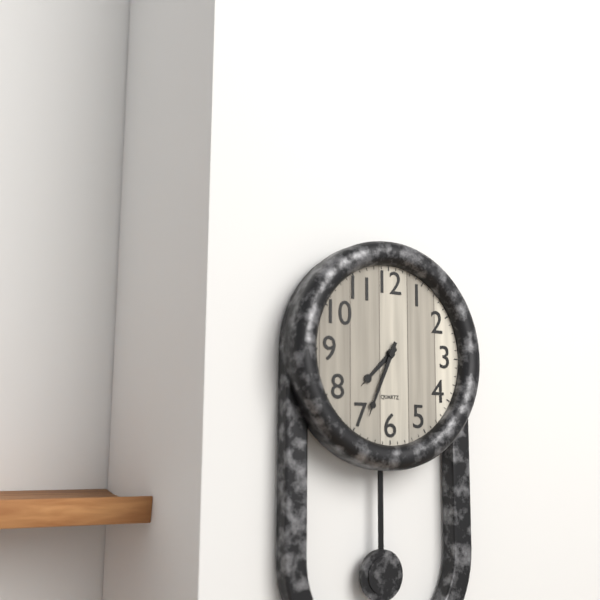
7 h 34 min
